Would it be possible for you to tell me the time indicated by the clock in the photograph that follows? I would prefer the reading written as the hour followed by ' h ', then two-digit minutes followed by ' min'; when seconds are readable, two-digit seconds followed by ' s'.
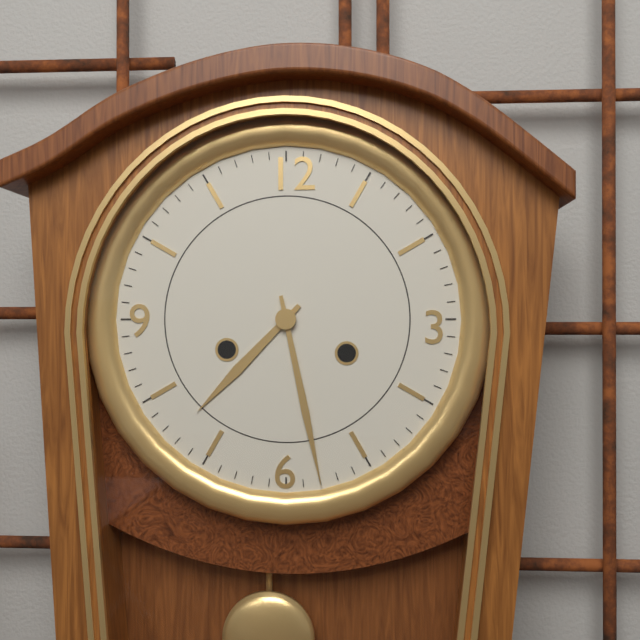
7 h 28 min
